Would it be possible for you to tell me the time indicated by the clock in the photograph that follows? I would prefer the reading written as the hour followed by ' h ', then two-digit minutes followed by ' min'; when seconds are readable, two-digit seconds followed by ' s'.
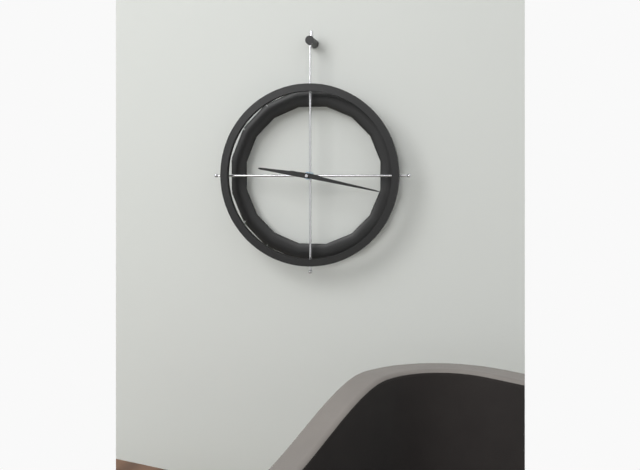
9 h 17 min
